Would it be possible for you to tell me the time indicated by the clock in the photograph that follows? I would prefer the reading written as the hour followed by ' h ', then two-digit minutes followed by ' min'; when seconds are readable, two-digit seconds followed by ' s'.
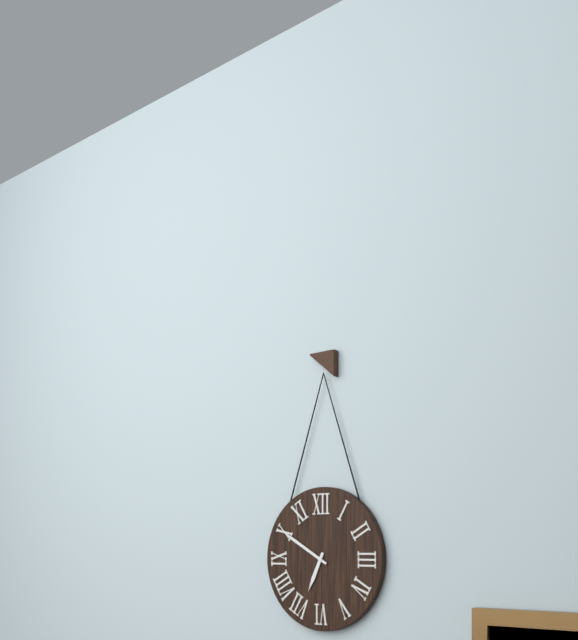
6 h 50 min
